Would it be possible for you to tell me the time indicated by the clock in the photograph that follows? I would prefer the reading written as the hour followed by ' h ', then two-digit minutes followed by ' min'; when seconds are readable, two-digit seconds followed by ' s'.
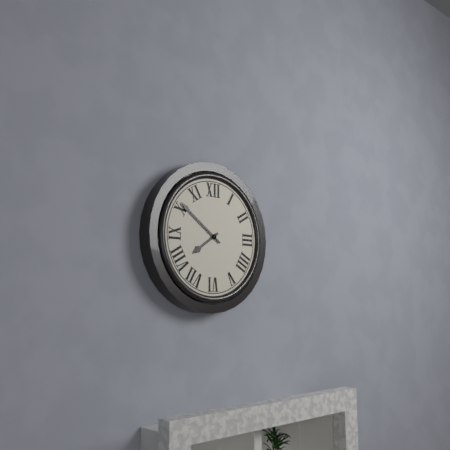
7 h 51 min
